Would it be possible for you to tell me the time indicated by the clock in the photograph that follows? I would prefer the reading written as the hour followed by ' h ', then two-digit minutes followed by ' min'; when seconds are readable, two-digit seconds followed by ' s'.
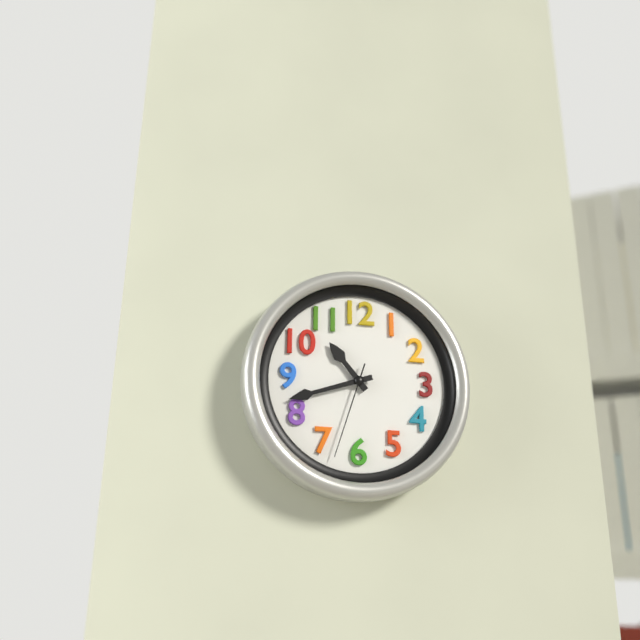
10 h 42 min 33 s
